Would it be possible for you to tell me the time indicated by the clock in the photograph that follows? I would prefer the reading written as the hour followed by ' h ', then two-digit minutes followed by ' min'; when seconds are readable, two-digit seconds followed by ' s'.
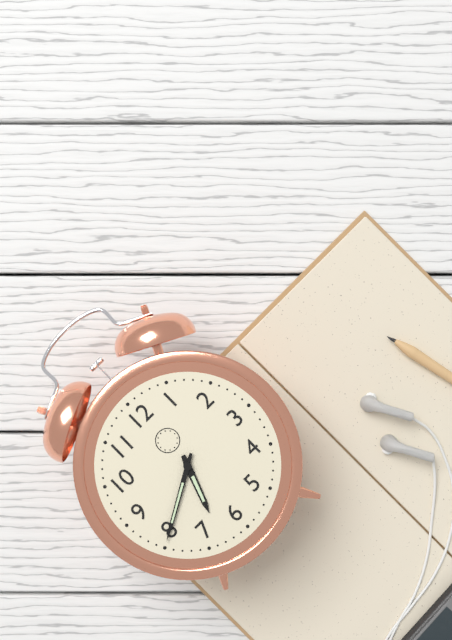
6 h 40 min
